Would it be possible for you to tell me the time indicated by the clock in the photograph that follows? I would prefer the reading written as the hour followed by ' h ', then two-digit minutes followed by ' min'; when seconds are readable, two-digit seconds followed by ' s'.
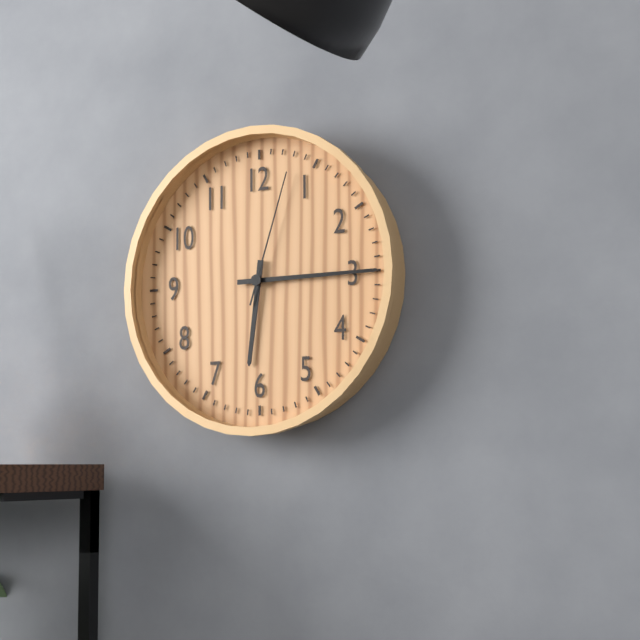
6 h 15 min 03 s
